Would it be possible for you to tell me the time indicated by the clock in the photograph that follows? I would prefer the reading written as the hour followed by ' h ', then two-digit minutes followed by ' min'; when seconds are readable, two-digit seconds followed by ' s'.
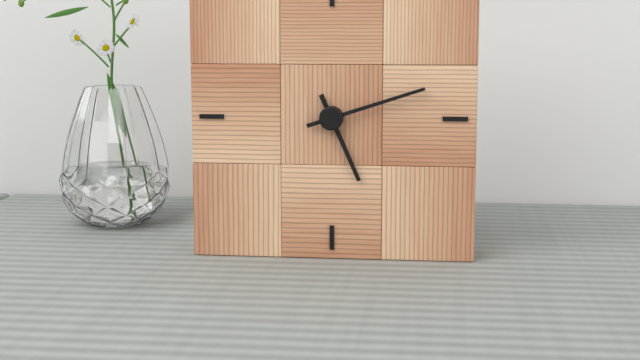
5 h 12 min
